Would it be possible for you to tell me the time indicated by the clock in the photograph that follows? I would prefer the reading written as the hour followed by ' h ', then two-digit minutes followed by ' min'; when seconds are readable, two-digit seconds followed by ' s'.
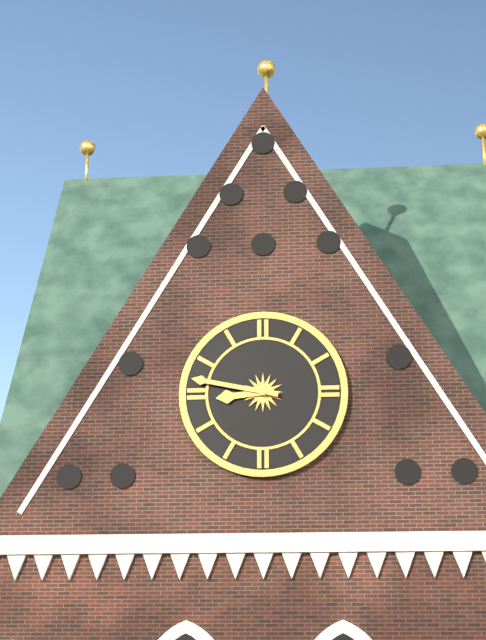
8 h 47 min
